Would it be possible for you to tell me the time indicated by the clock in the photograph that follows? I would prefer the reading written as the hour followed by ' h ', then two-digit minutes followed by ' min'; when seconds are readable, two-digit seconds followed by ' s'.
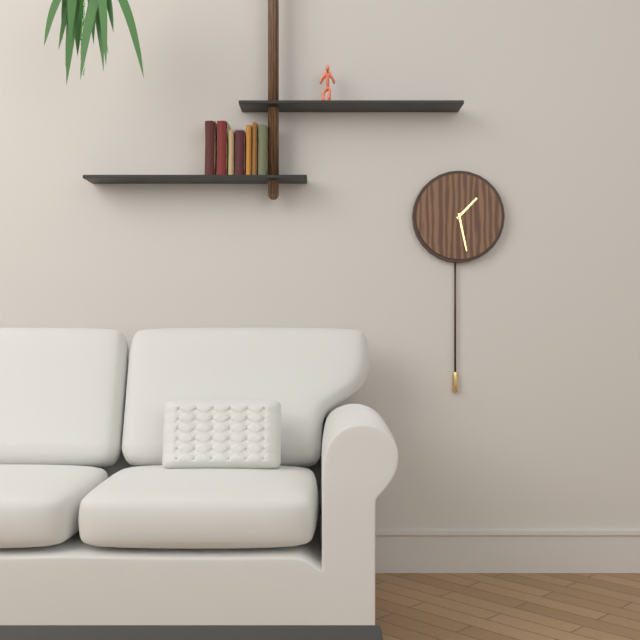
1 h 28 min
